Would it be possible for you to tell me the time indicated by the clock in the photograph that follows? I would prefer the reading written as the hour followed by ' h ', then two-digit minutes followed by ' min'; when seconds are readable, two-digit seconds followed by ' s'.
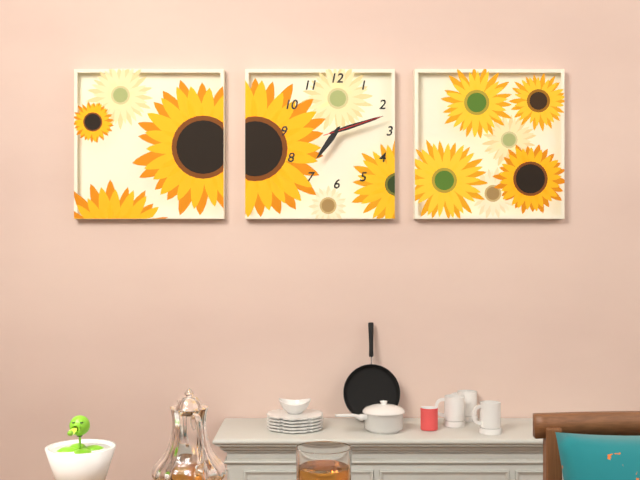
7 h 12 min 12 s
